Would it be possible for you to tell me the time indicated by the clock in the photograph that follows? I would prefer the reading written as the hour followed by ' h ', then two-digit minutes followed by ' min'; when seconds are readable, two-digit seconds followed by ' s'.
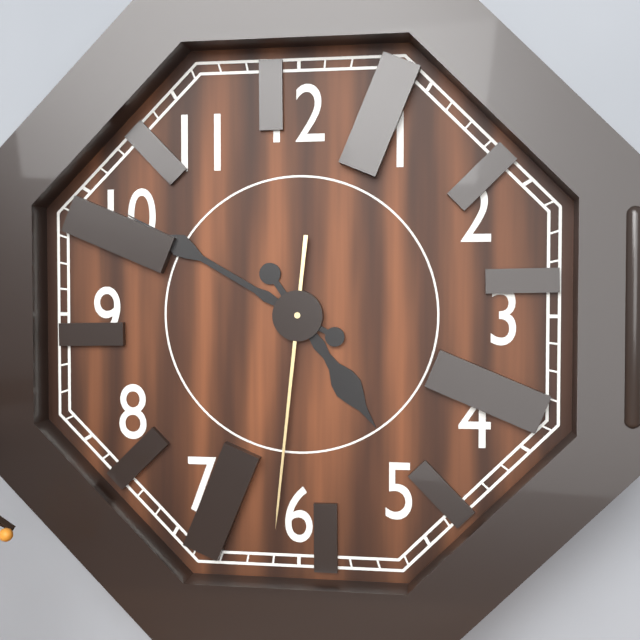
4 h 50 min 31 s
